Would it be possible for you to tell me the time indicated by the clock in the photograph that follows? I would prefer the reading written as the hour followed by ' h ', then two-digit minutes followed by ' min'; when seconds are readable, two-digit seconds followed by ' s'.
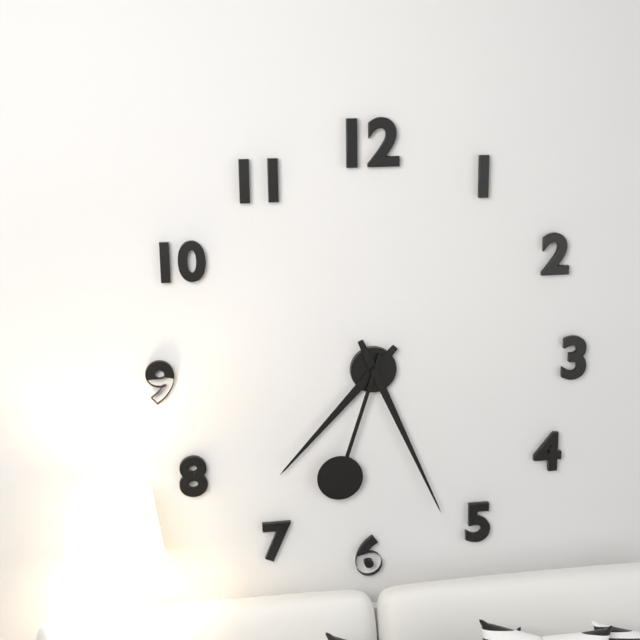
7 h 26 min 33 s
